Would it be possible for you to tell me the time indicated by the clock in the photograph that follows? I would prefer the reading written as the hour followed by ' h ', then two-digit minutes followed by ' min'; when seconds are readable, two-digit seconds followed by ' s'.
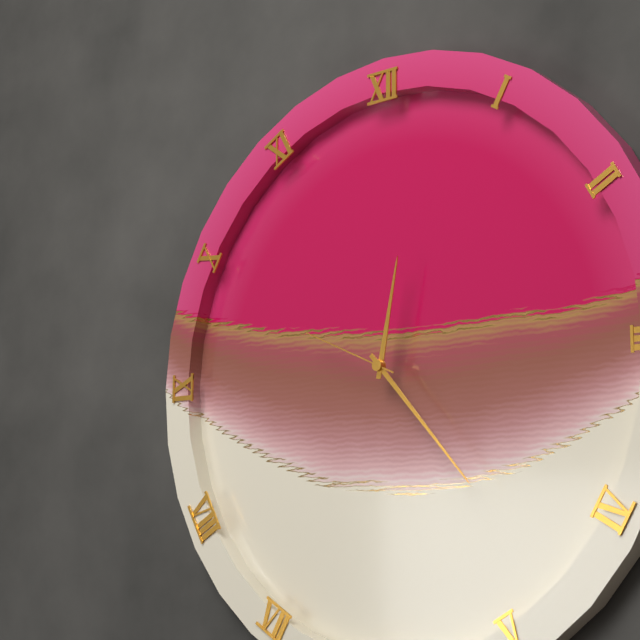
12 h 23 min 49 s
